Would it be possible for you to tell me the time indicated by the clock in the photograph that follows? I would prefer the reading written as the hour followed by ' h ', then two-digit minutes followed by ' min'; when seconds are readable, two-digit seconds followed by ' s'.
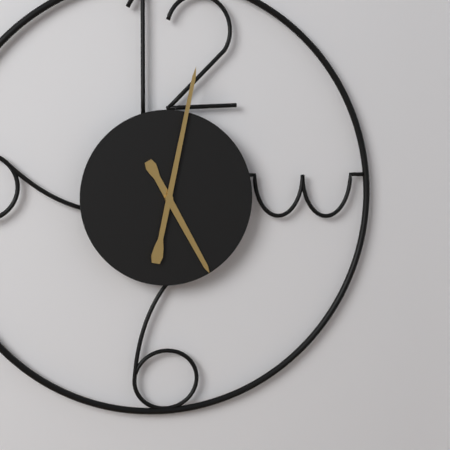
5 h 02 min
